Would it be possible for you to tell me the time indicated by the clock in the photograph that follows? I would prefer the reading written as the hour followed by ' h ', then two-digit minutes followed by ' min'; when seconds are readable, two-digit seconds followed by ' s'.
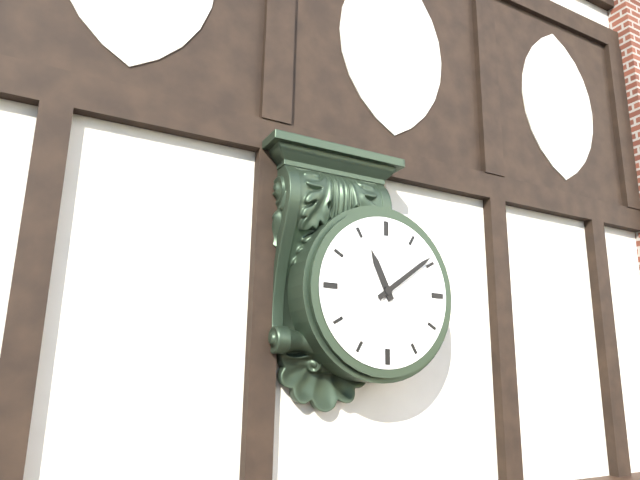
11 h 09 min
